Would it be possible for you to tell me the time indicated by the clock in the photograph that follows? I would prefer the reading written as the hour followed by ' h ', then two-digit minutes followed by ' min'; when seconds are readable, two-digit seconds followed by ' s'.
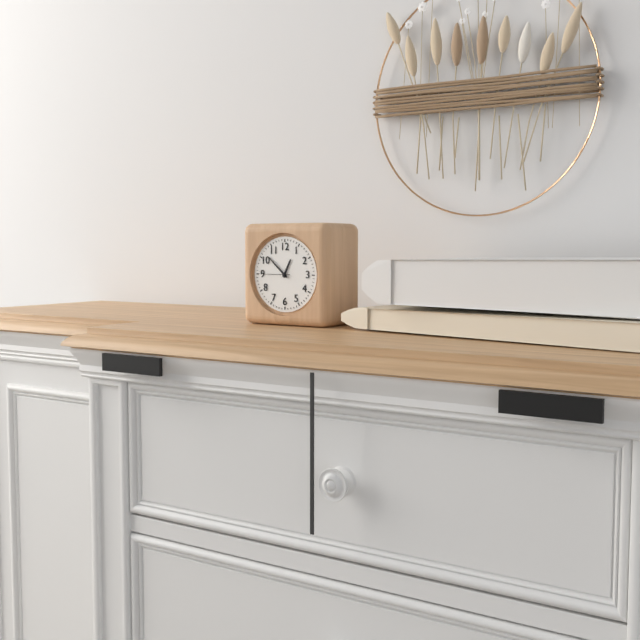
12 h 52 min
